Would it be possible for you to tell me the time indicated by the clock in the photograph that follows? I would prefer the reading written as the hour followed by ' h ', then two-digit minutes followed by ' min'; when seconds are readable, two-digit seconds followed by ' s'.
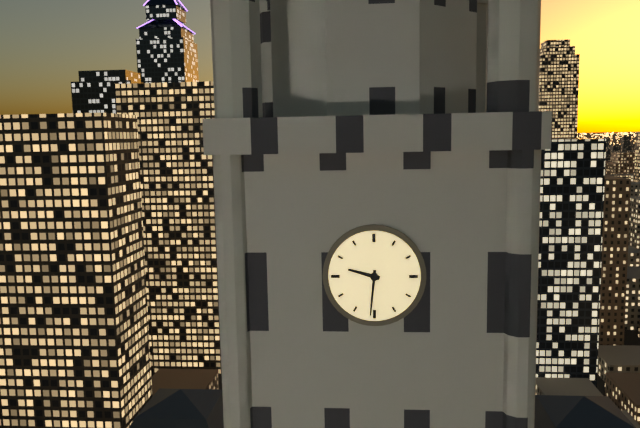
9 h 31 min
